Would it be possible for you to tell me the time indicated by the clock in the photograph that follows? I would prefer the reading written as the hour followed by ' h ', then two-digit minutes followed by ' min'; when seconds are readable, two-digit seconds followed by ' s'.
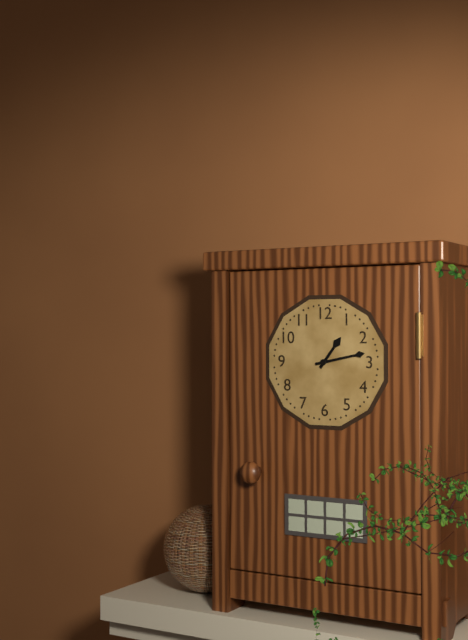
1 h 13 min
